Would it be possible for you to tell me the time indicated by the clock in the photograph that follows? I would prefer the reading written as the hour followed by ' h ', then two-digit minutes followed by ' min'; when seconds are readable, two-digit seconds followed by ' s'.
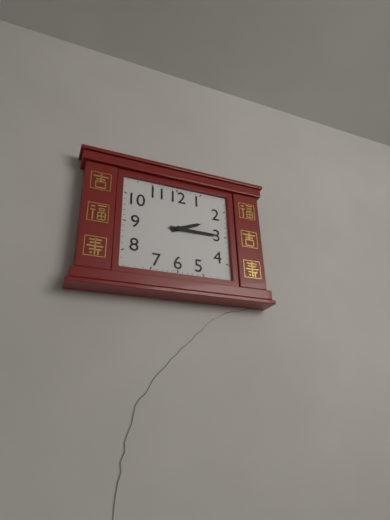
2 h 15 min
